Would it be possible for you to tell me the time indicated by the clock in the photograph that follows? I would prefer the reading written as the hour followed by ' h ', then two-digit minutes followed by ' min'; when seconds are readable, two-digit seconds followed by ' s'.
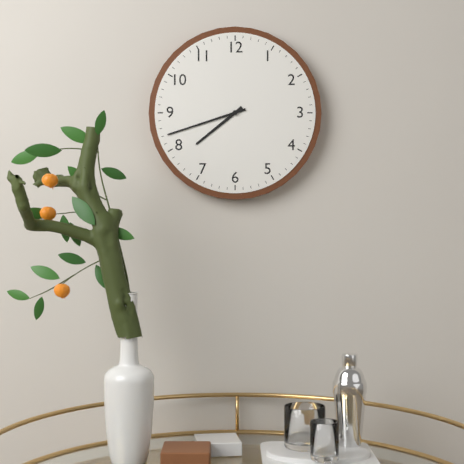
7 h 42 min
